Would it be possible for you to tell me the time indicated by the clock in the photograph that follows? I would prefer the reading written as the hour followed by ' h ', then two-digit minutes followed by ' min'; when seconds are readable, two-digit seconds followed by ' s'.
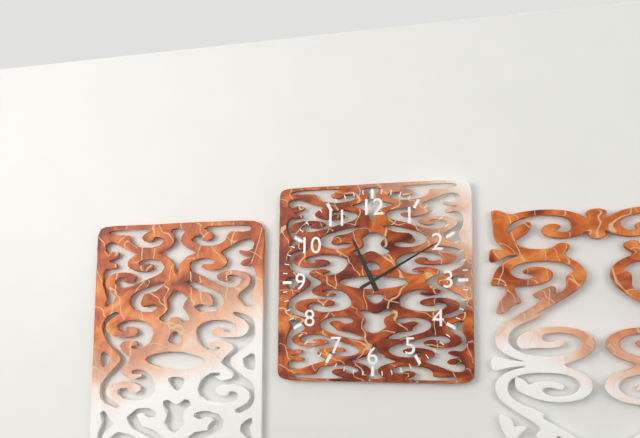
11 h 10 min
